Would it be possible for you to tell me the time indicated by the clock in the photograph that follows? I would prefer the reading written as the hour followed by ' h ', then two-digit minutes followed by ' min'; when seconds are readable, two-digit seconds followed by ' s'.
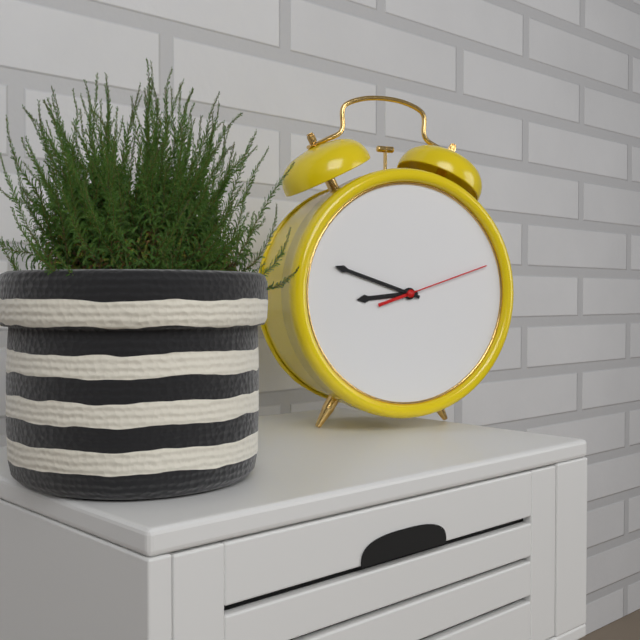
8 h 48 min 12 s
